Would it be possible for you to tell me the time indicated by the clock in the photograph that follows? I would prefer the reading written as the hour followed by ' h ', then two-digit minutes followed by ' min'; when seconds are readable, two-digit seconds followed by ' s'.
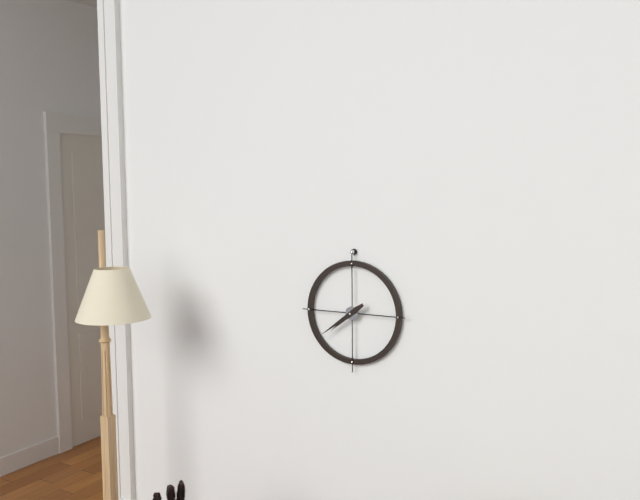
7 h 39 min
